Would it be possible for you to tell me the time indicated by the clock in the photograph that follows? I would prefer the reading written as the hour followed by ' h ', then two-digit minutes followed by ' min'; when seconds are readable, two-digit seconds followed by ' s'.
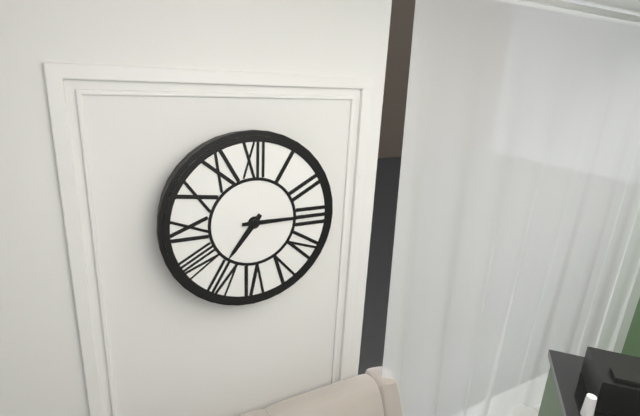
7 h 15 min
